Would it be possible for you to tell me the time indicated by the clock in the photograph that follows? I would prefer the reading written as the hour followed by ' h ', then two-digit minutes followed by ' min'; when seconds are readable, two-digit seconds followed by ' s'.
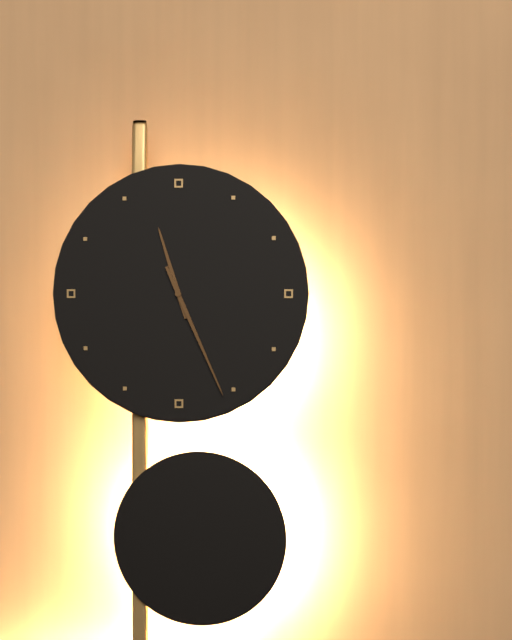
11 h 26 min
